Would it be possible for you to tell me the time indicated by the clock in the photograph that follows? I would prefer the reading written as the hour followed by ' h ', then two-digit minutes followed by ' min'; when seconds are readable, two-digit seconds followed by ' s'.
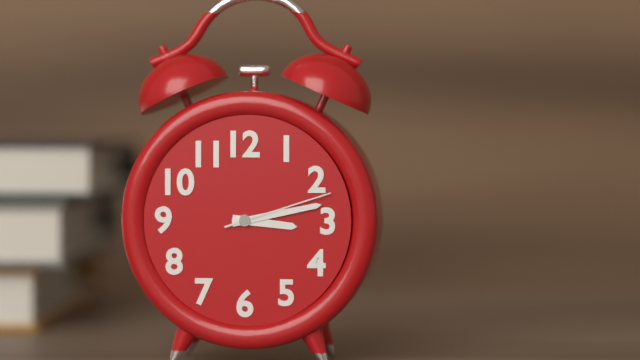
3 h 13 min 12 s
